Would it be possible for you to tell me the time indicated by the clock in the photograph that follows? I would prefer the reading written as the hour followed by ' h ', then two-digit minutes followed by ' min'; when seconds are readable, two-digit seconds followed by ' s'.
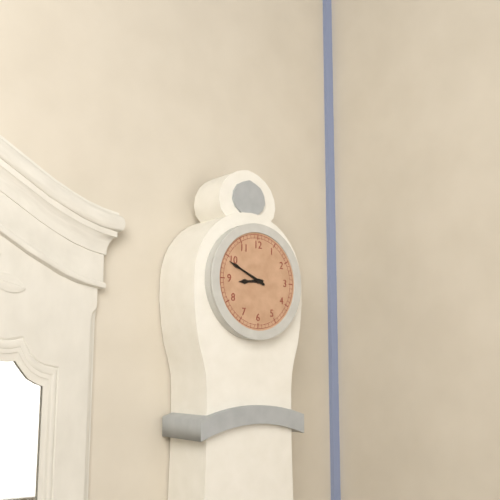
8 h 49 min
